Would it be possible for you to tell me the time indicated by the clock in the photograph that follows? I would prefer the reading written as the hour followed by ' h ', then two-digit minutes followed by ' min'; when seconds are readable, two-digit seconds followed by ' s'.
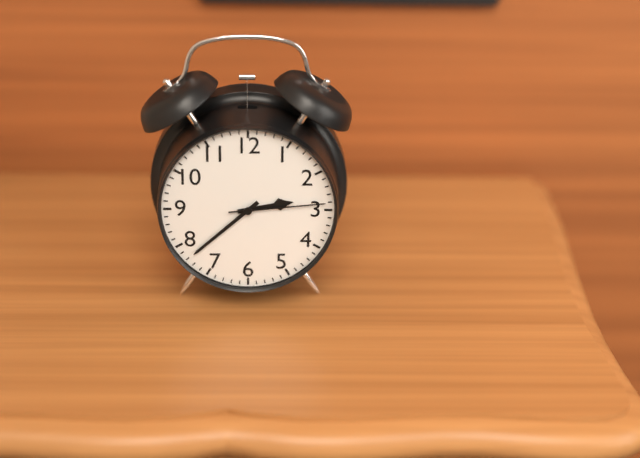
2 h 38 min 14 s
